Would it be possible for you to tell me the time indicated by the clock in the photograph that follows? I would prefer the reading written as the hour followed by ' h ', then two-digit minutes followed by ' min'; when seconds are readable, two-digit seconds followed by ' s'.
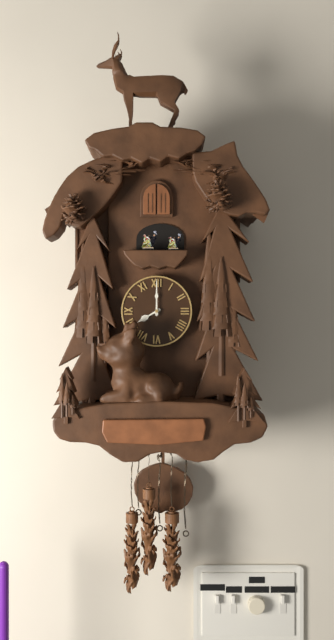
8 h 00 min
